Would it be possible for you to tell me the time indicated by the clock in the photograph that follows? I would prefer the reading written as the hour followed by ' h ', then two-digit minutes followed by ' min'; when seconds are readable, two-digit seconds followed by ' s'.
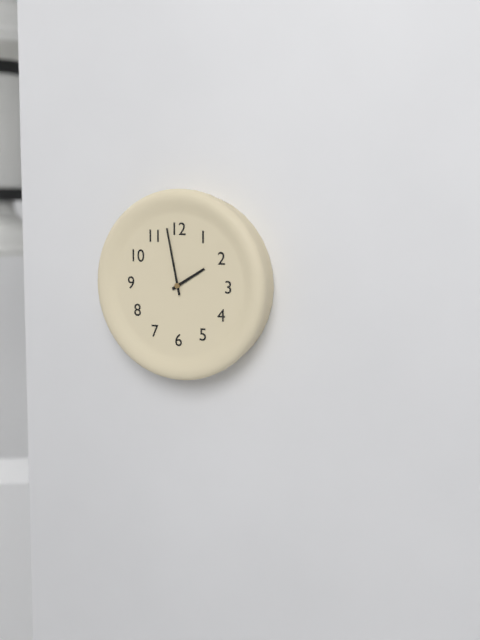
1 h 58 min
